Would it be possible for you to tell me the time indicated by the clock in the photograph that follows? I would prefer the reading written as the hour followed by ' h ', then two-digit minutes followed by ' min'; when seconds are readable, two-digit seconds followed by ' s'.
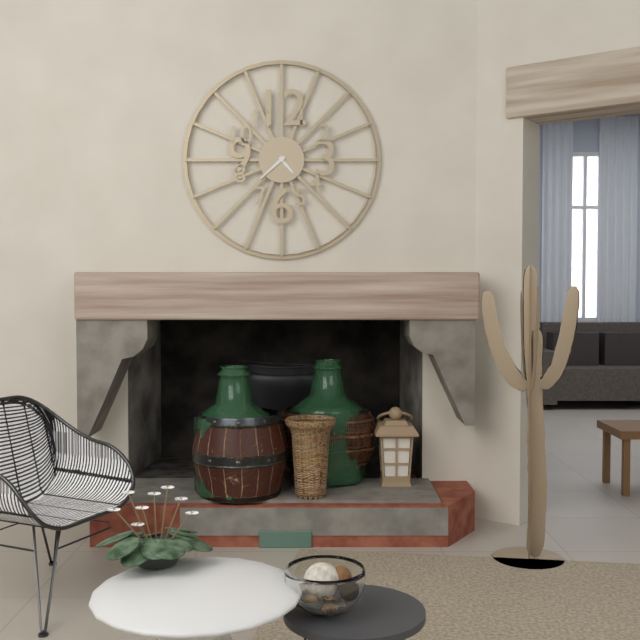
4 h 38 min
